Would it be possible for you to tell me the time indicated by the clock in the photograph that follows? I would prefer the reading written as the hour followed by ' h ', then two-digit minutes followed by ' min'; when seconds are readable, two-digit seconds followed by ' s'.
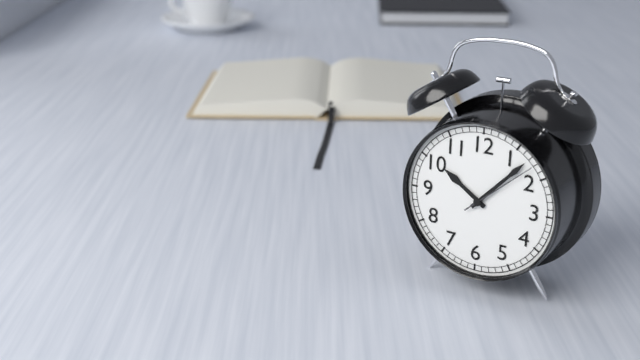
10 h 07 min 08 s
